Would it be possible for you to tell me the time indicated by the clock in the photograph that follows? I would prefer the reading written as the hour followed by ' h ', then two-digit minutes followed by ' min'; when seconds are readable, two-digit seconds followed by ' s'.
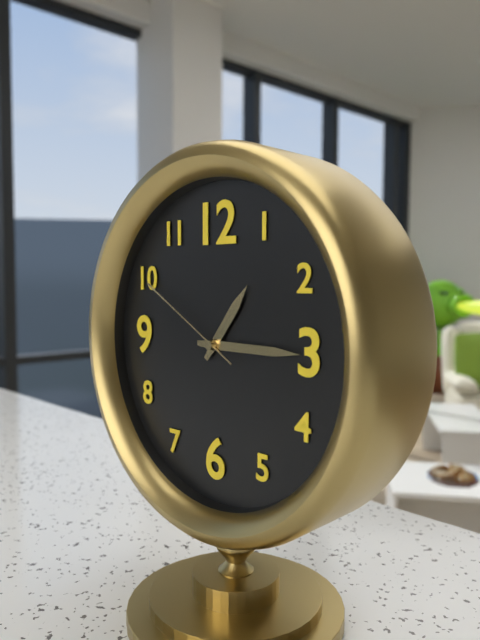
1 h 15 min 50 s
